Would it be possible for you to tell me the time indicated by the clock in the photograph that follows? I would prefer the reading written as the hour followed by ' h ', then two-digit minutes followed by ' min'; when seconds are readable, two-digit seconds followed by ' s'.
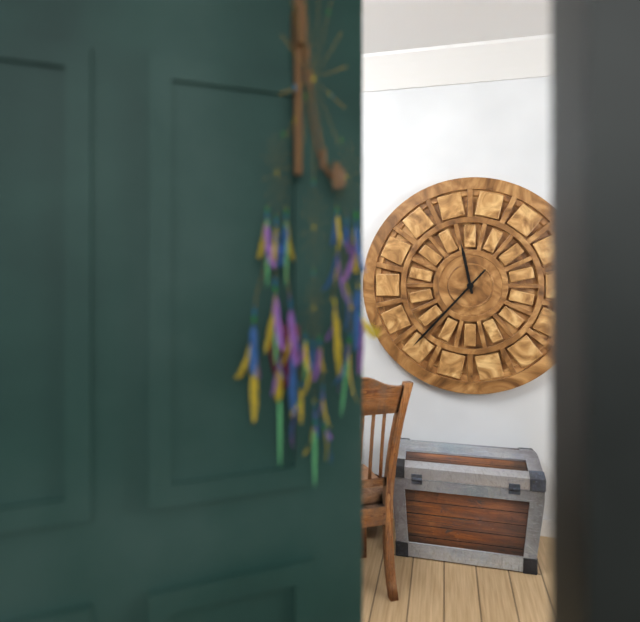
11 h 37 min
